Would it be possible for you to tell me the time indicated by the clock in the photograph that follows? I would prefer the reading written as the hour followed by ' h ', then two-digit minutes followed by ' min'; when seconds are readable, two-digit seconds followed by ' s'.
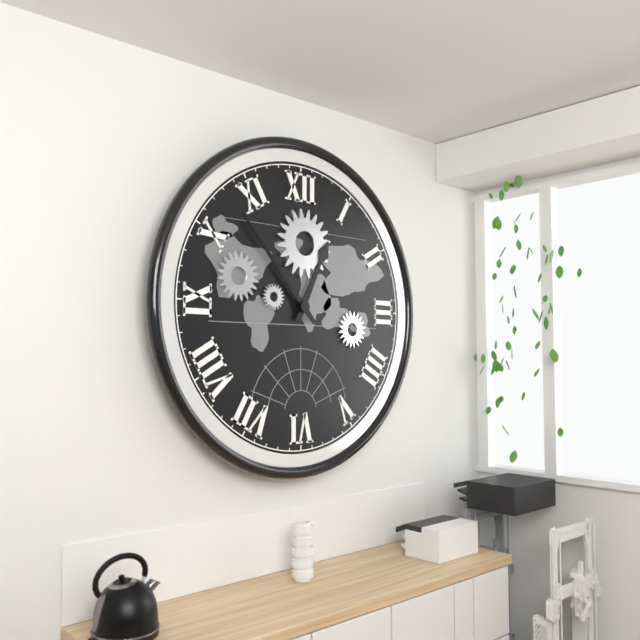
12 h 53 min
